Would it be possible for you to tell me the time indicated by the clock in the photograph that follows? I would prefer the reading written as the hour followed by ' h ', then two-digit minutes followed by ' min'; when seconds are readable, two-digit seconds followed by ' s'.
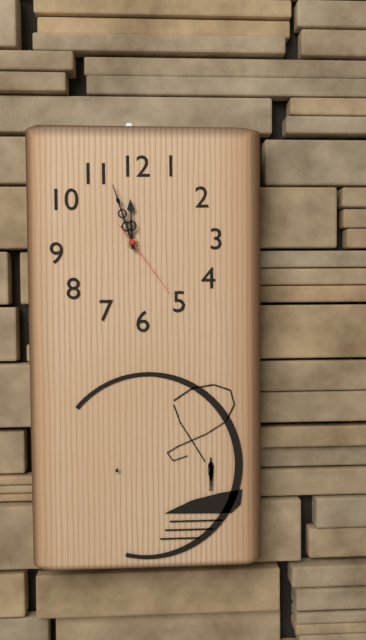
11 h 57 min 24 s
